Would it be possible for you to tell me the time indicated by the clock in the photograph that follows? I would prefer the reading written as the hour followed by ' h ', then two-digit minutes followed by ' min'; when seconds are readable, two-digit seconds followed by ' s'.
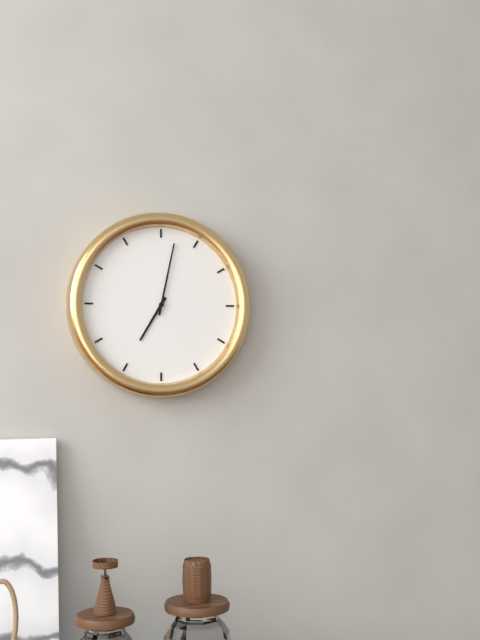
7 h 02 min
